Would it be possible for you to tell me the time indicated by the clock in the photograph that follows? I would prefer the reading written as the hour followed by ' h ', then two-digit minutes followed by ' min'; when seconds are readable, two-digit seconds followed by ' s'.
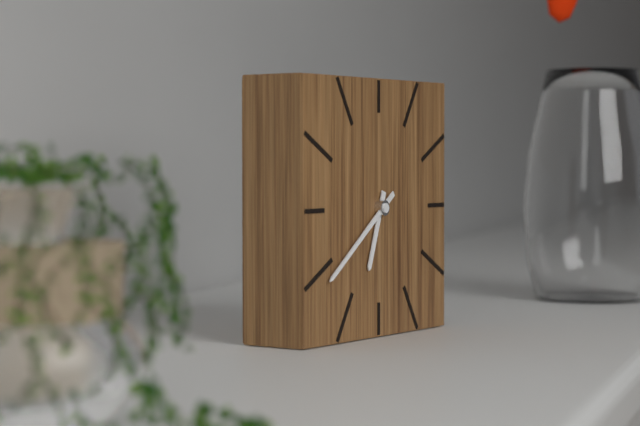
6 h 39 min
